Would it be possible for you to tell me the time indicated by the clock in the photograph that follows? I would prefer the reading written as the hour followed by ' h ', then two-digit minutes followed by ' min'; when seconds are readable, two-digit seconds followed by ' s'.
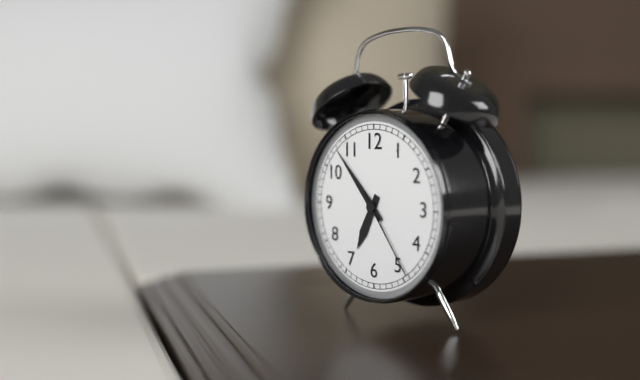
6 h 53 min 24 s
